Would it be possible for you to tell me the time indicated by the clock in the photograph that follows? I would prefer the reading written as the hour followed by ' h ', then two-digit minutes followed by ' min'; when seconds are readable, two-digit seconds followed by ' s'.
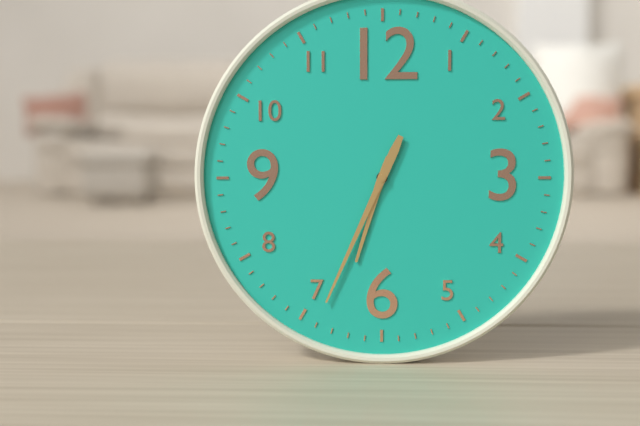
6 h 34 min
